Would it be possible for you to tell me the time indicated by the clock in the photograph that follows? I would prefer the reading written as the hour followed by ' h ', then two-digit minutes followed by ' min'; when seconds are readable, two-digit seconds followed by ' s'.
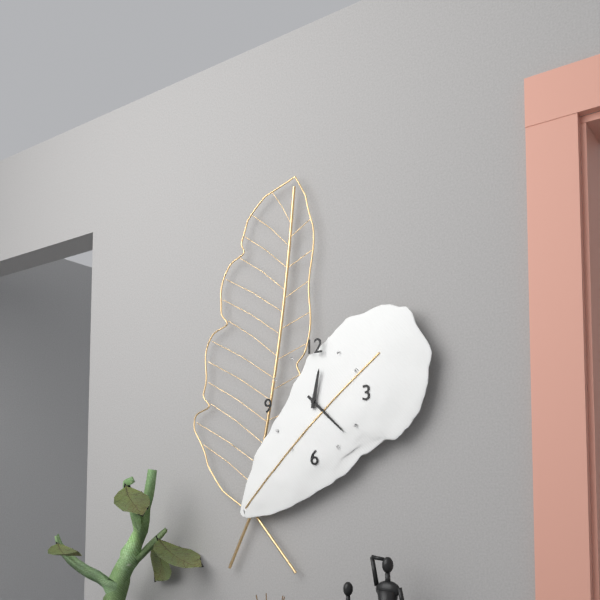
12 h 22 min
